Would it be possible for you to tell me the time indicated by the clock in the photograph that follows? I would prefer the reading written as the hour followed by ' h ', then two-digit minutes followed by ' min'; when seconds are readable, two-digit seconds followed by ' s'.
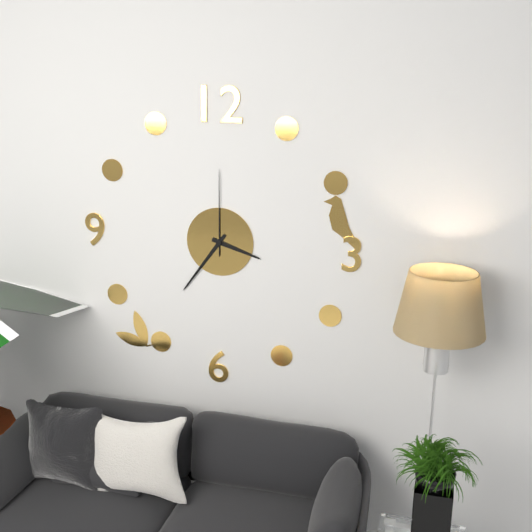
3 h 36 min 00 s
